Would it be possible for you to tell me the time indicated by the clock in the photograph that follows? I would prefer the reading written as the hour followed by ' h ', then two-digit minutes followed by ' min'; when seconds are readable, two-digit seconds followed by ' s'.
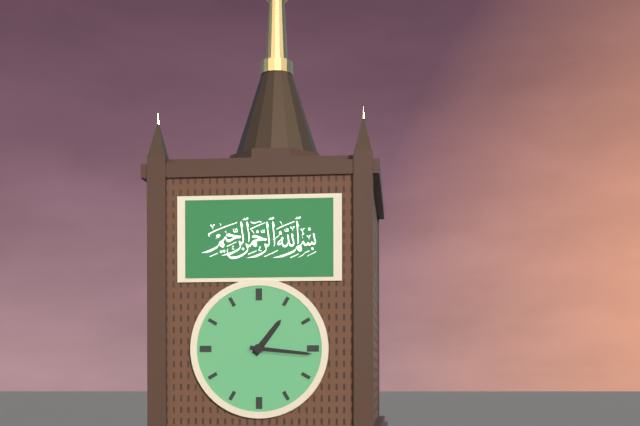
1 h 16 min
